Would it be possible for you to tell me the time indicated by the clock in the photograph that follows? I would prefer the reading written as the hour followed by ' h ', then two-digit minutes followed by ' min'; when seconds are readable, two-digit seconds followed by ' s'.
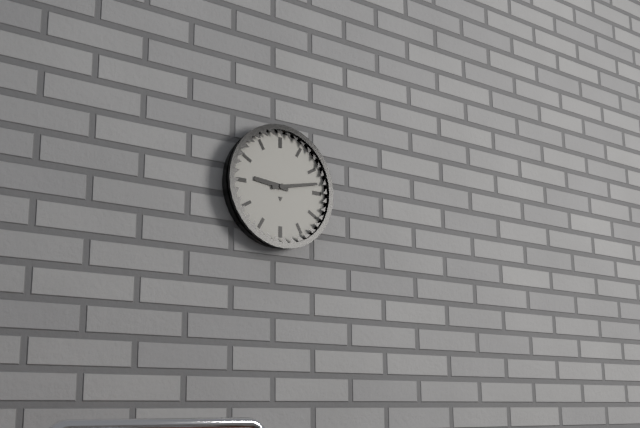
9 h 13 min
